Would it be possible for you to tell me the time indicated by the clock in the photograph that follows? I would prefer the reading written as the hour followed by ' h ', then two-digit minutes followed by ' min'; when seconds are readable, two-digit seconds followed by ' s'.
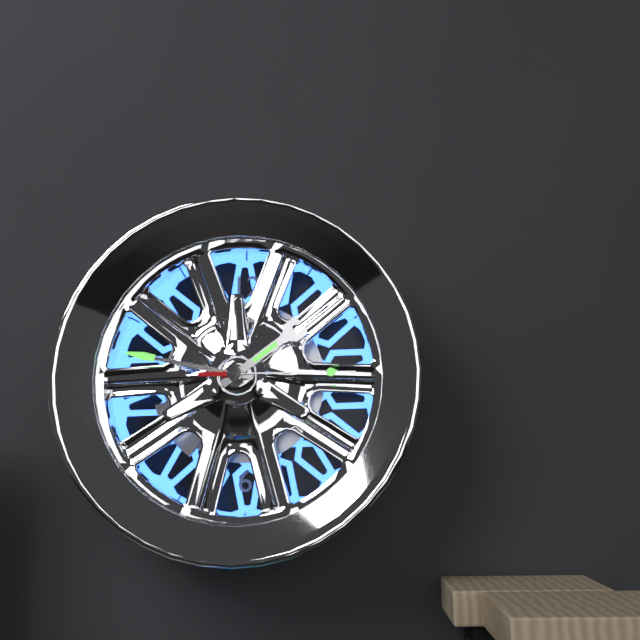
1 h 47 min 15 s
